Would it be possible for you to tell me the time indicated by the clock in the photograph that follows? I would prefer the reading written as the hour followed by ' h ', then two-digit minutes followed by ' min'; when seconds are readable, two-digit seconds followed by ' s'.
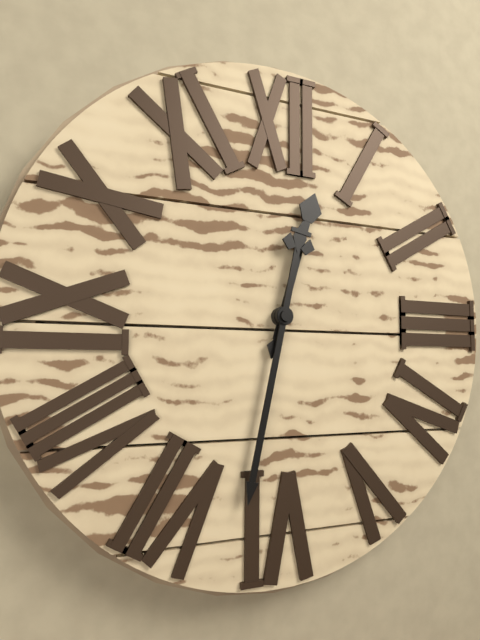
12 h 32 min
